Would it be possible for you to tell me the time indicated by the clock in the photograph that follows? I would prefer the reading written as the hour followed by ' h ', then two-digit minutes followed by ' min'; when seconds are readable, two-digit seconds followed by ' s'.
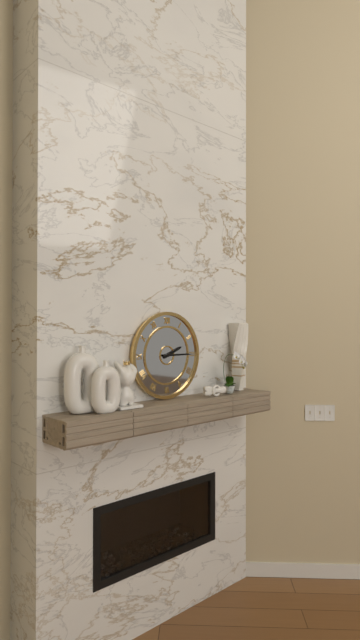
2 h 15 min
